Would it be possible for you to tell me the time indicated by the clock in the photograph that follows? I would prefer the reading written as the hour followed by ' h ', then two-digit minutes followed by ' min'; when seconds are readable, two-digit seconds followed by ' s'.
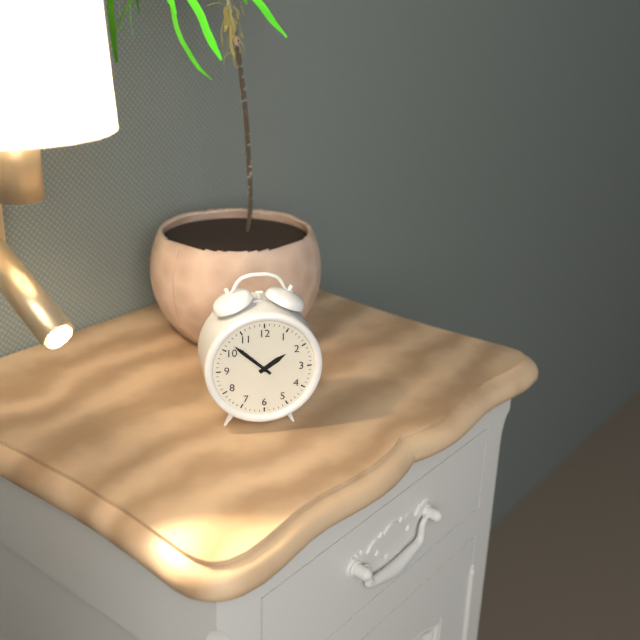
1 h 52 min
